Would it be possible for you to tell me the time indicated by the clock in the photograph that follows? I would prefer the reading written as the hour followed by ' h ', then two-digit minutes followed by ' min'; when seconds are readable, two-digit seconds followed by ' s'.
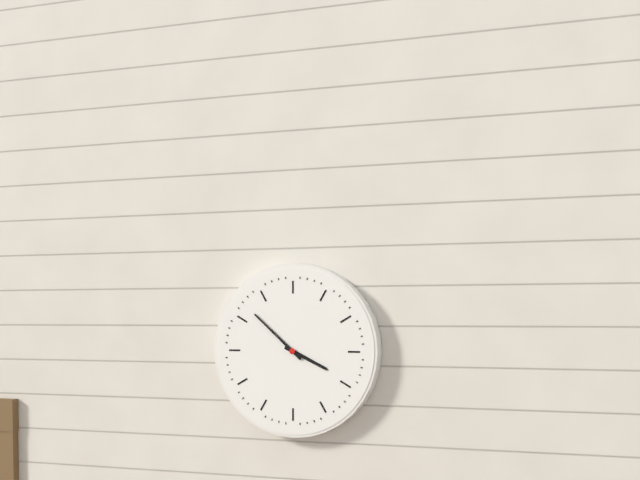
3 h 52 min
